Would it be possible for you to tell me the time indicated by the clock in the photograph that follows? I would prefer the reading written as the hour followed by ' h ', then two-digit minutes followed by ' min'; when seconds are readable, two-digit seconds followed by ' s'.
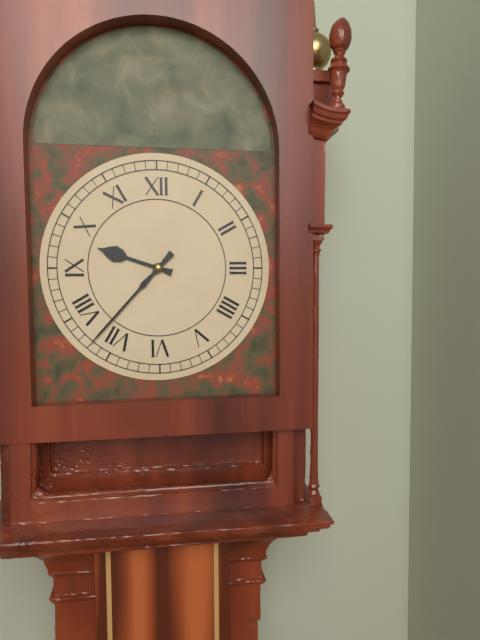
9 h 37 min
